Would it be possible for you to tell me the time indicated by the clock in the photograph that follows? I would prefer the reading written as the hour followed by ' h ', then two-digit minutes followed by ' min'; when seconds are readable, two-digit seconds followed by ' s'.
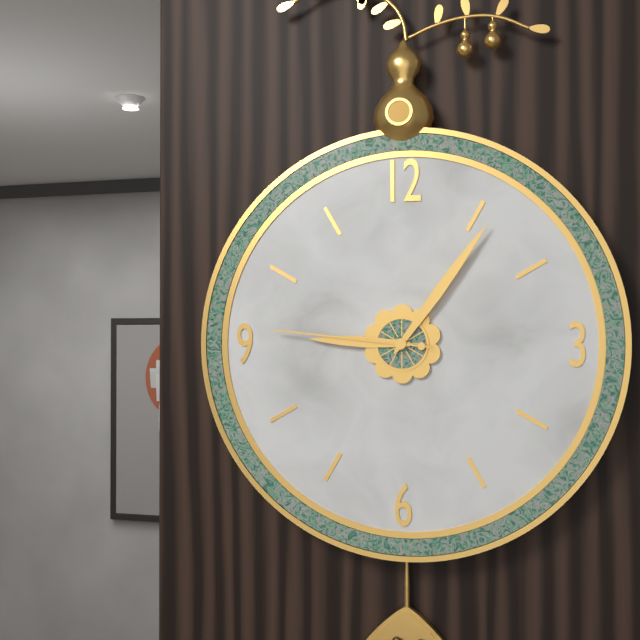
9 h 06 min 46 s
